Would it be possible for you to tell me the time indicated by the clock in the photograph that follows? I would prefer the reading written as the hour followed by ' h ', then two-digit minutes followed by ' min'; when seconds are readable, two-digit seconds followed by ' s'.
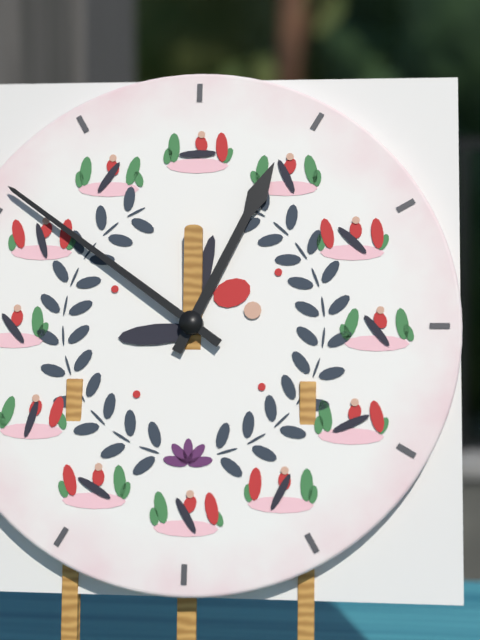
12 h 51 min
